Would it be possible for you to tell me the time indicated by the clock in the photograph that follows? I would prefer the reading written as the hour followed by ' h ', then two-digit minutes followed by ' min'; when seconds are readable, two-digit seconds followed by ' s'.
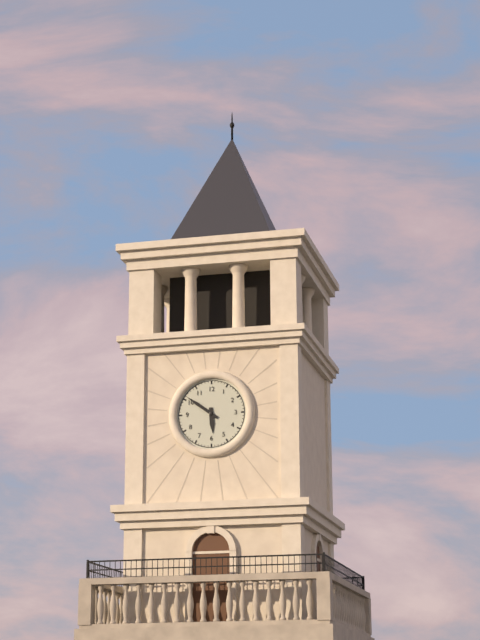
5 h 51 min
